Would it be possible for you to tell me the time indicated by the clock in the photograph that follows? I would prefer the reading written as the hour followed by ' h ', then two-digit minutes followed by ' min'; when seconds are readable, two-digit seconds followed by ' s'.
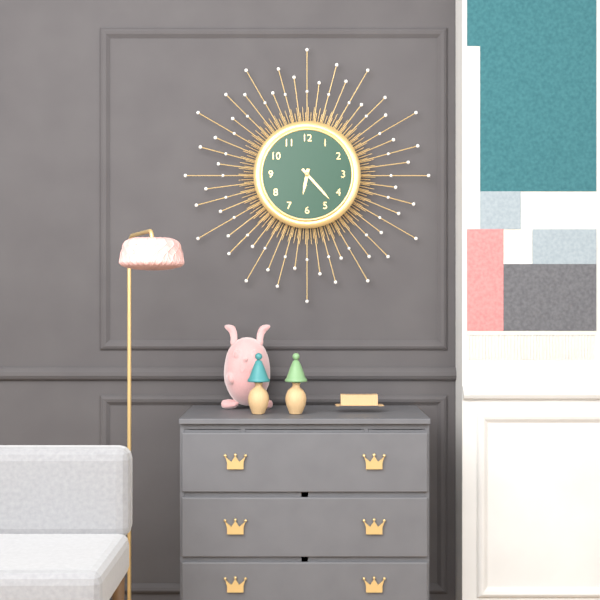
6 h 23 min
